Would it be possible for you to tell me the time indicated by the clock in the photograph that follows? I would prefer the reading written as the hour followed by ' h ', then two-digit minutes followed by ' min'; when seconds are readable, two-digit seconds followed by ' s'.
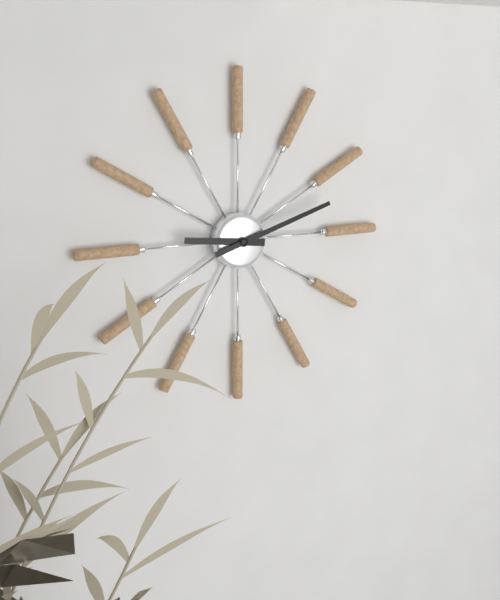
9 h 12 min
